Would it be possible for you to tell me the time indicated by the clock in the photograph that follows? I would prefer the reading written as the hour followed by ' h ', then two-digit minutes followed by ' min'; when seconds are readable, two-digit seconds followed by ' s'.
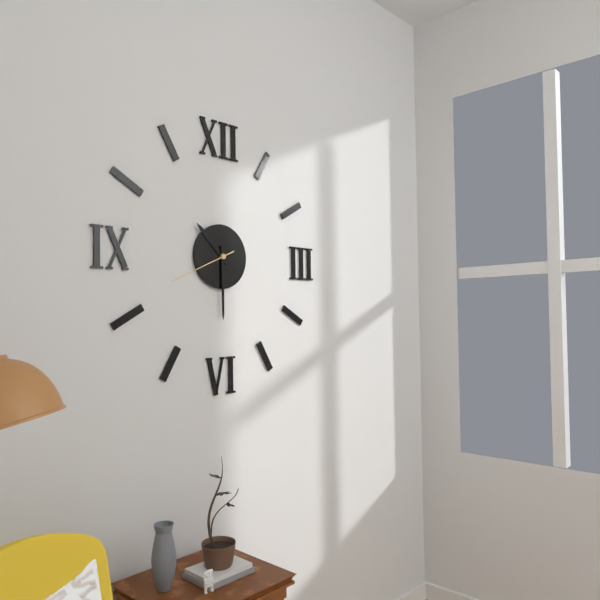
10 h 30 min 41 s
